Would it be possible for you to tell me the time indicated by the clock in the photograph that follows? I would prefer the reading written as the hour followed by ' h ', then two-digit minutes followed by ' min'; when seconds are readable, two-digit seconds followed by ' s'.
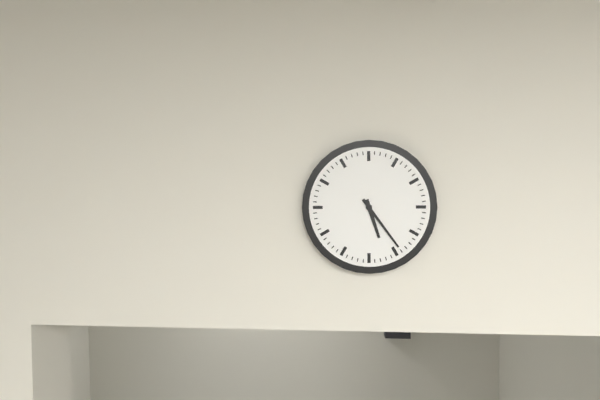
5 h 24 min
